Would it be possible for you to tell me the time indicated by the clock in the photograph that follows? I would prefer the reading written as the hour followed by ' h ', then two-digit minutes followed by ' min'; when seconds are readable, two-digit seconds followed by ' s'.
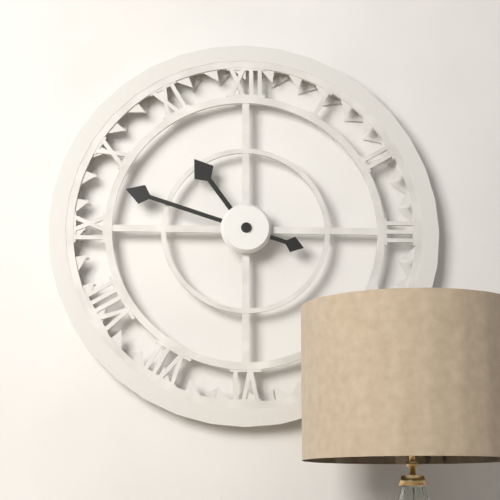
10 h 48 min
